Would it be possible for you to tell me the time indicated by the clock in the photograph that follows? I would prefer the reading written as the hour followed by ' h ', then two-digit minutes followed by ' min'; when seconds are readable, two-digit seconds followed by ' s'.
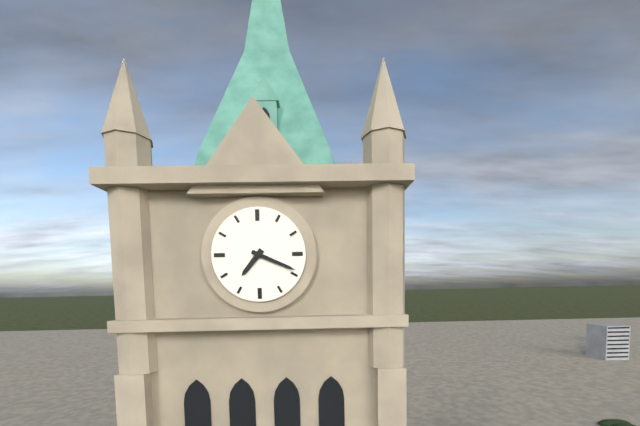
7 h 19 min
